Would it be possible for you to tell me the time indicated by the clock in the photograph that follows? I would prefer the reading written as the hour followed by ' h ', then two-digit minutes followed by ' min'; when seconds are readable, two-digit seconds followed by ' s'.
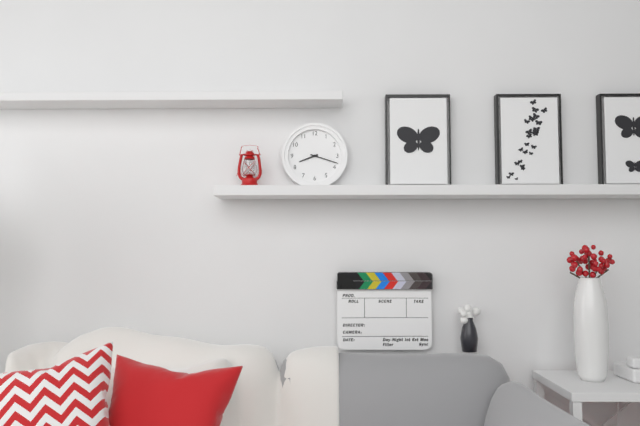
8 h 18 min
